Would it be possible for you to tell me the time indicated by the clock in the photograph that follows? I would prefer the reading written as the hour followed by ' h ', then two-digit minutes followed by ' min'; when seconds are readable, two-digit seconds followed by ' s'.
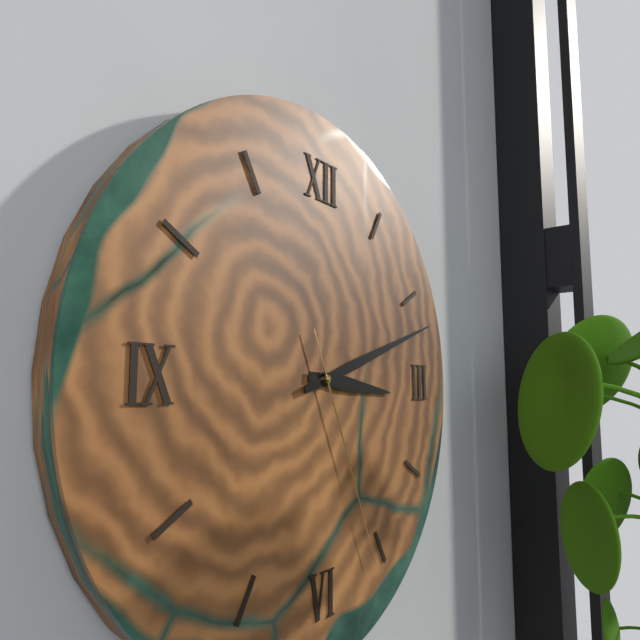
3 h 12 min 26 s
